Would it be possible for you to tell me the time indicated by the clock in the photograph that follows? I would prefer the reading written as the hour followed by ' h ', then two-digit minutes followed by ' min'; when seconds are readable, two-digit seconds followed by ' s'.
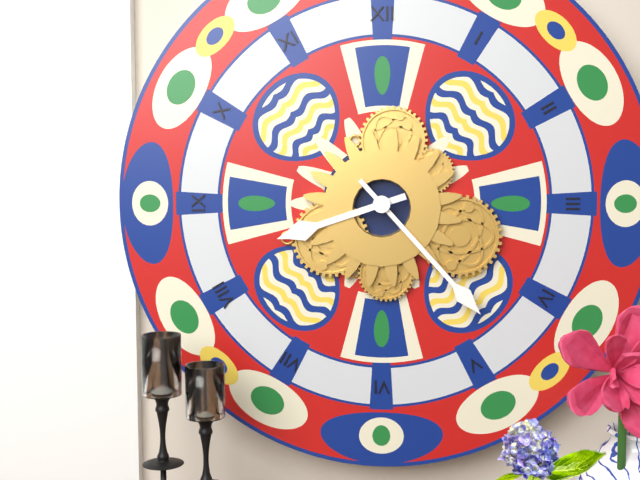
8 h 23 min
